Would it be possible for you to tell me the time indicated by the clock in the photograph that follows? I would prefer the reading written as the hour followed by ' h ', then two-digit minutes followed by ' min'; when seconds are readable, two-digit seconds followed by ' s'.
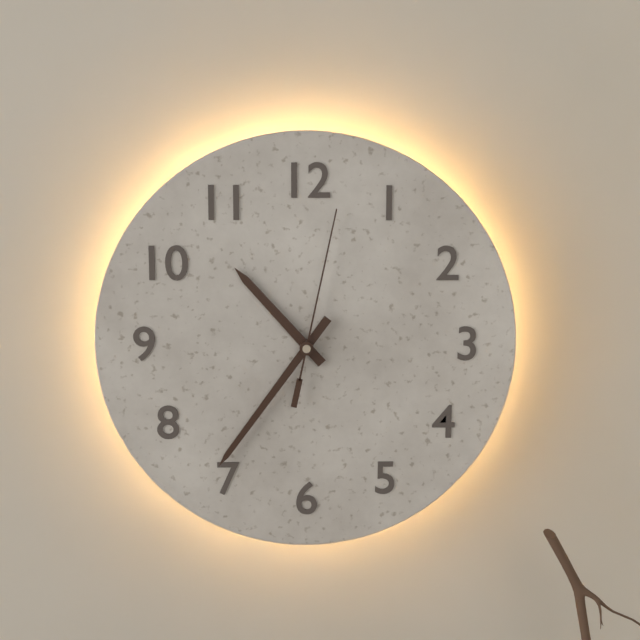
10 h 36 min 02 s
